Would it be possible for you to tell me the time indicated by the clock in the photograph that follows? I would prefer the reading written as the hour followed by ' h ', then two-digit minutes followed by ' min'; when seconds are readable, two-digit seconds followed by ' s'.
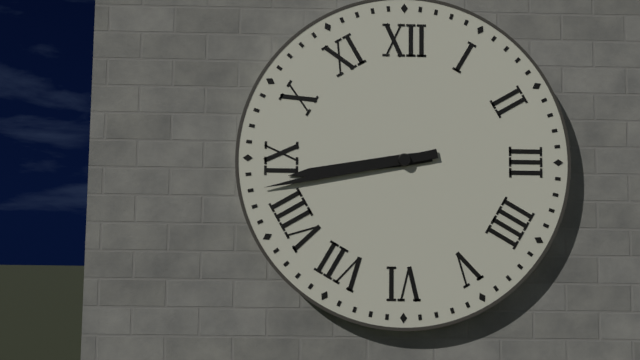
8 h 43 min
